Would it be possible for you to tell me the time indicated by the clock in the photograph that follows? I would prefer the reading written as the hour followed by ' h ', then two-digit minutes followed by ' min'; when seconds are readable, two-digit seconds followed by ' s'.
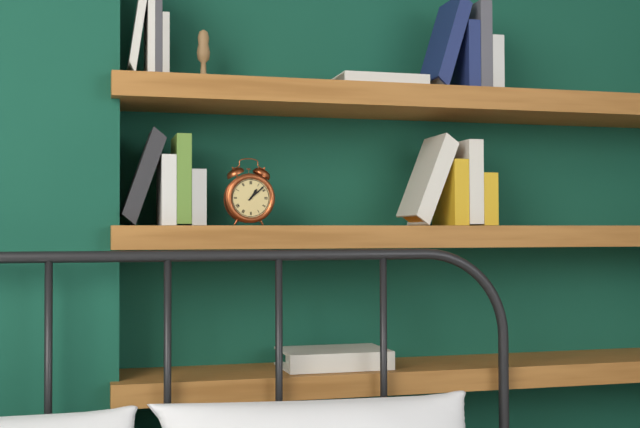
1 h 08 min
